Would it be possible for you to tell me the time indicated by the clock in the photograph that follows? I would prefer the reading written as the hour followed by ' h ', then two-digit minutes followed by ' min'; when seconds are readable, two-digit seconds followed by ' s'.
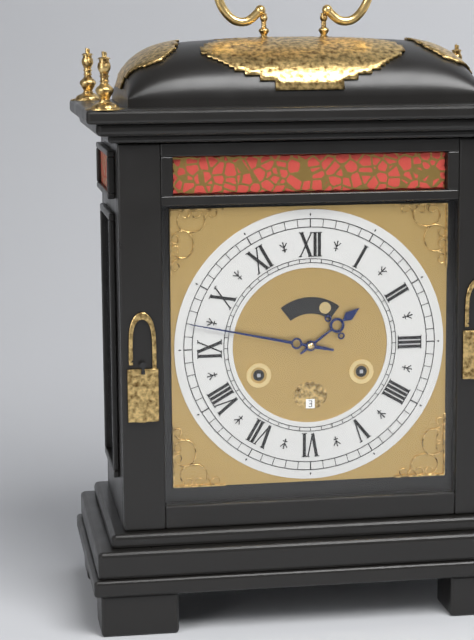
1 h 47 min
